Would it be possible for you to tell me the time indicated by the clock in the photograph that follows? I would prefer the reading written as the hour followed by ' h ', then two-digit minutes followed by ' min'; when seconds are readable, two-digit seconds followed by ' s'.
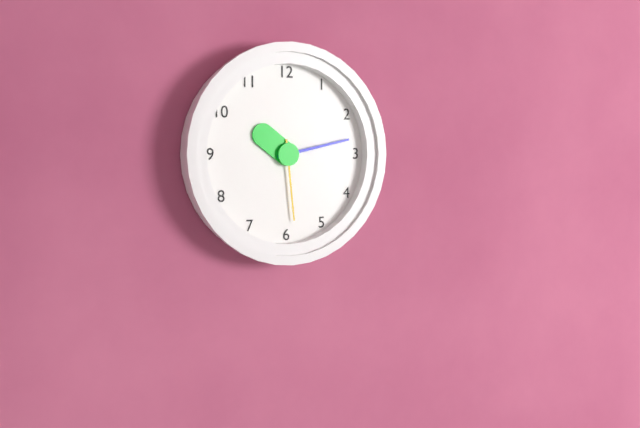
10 h 13 min 29 s
